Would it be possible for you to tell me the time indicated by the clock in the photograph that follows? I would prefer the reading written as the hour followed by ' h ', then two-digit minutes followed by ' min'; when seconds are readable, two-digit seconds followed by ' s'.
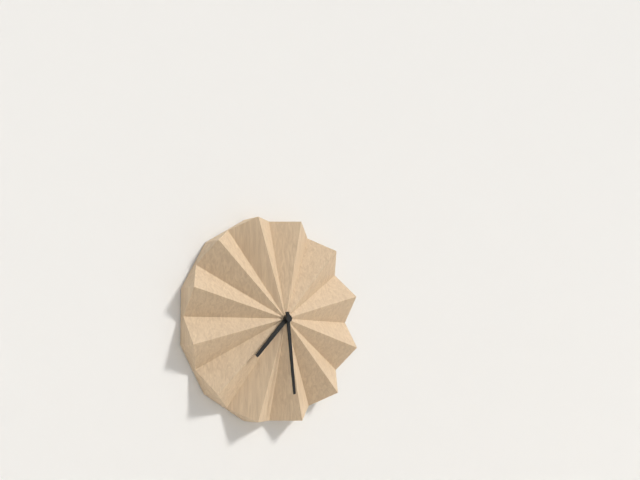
7 h 29 min
